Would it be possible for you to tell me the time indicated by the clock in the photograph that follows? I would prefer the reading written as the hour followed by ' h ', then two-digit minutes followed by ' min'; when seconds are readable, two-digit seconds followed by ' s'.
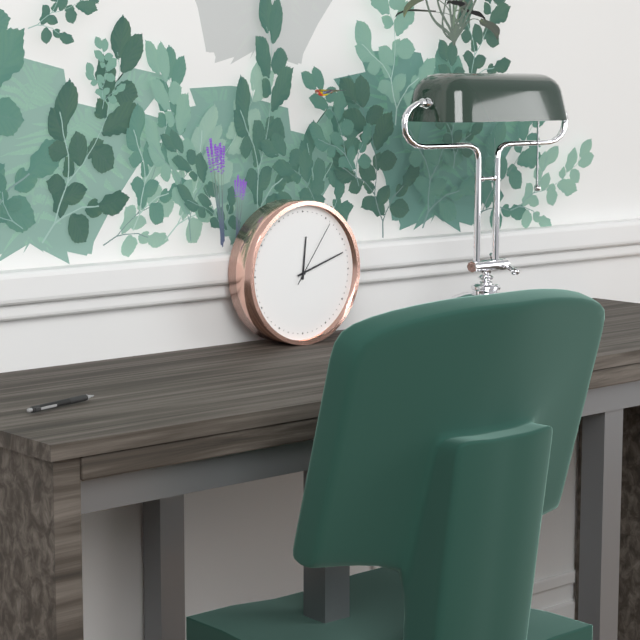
12 h 12 min 06 s
